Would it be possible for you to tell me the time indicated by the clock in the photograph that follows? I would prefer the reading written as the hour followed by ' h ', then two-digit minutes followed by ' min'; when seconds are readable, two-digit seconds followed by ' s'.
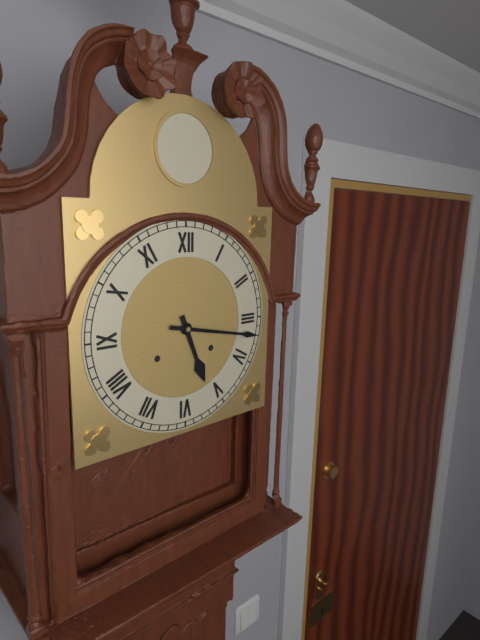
5 h 17 min
